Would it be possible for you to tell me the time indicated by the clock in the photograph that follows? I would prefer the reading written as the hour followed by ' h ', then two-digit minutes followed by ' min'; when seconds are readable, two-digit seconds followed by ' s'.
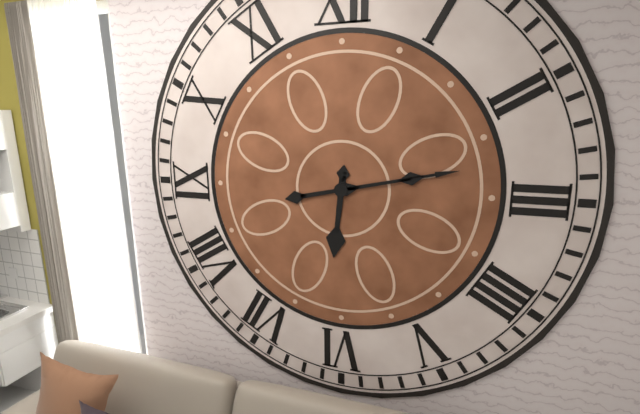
6 h 13 min
